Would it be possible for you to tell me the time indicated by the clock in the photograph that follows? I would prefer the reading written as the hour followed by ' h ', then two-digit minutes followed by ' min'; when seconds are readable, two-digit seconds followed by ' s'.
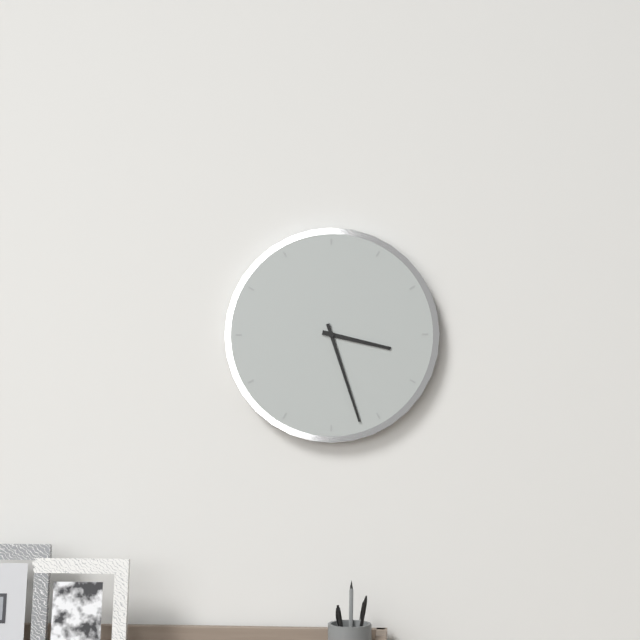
3 h 27 min
